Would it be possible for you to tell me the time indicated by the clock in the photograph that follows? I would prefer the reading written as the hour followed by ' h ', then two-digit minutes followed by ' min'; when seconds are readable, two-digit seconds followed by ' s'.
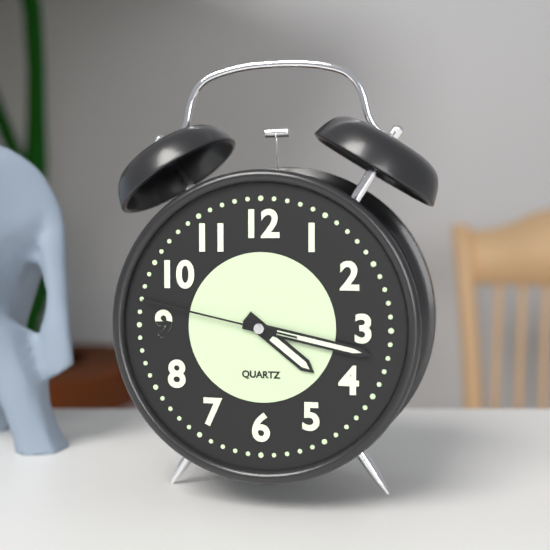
4 h 17 min 47 s
